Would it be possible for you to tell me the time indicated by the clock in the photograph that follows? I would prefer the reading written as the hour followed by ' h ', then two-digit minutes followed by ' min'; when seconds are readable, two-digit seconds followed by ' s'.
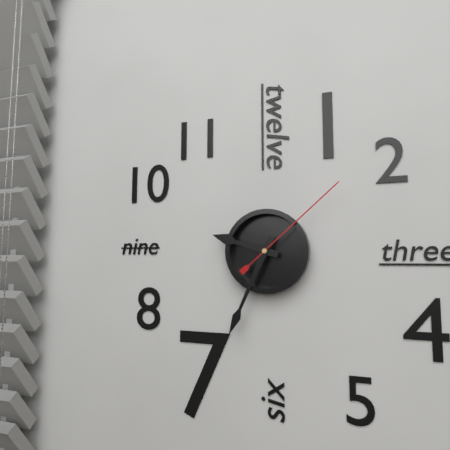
9 h 34 min 08 s
